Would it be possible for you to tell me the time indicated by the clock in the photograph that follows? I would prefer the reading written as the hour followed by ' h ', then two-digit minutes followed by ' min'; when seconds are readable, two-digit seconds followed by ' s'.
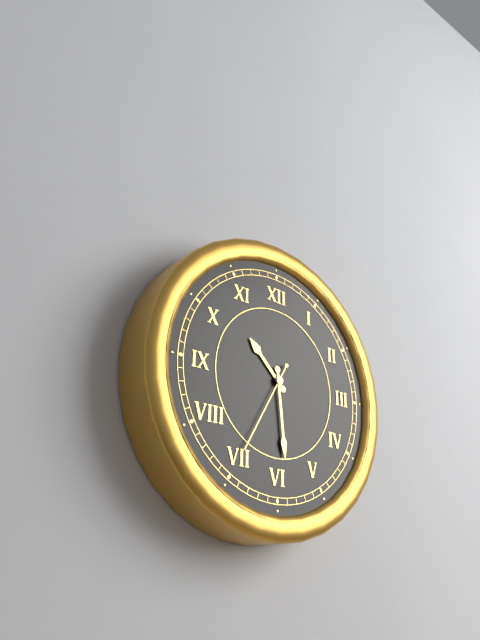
10 h 29 min 35 s
